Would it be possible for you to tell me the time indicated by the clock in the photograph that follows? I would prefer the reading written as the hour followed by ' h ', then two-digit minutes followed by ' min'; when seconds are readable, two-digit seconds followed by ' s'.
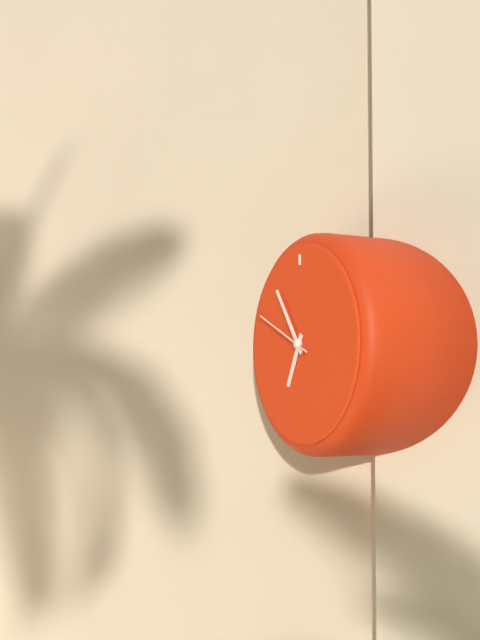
6 h 54 min 49 s
